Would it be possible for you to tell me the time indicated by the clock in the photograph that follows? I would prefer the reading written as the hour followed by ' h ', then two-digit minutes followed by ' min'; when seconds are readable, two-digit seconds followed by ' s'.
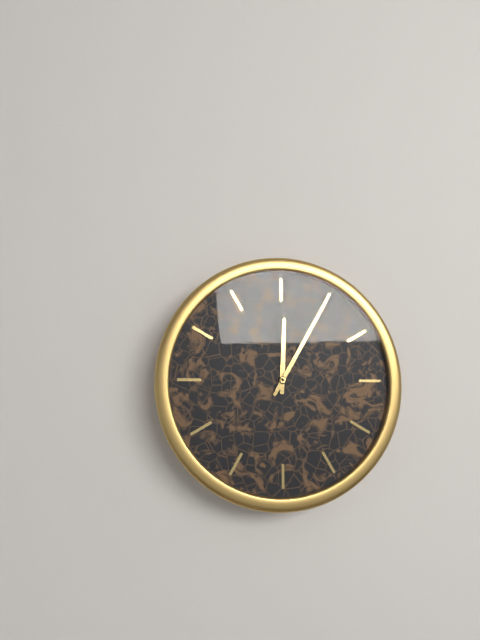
12 h 05 min
